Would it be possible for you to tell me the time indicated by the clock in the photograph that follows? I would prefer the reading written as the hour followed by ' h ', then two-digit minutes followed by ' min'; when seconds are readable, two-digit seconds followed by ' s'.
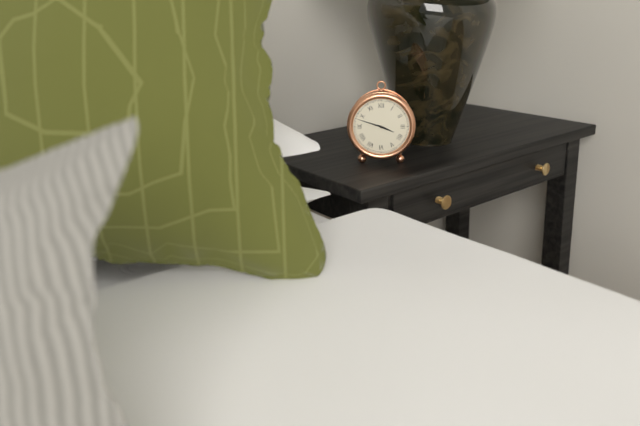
3 h 48 min
